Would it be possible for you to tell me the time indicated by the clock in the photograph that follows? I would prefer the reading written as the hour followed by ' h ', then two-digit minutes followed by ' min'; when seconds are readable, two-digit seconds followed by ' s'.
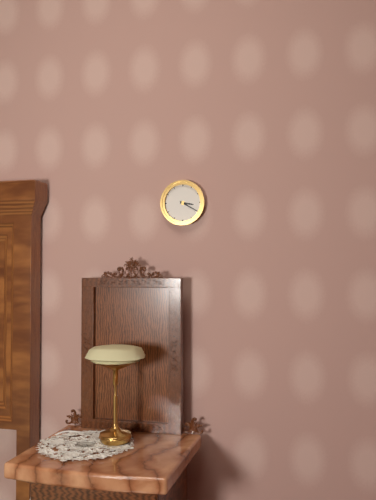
3 h 20 min
